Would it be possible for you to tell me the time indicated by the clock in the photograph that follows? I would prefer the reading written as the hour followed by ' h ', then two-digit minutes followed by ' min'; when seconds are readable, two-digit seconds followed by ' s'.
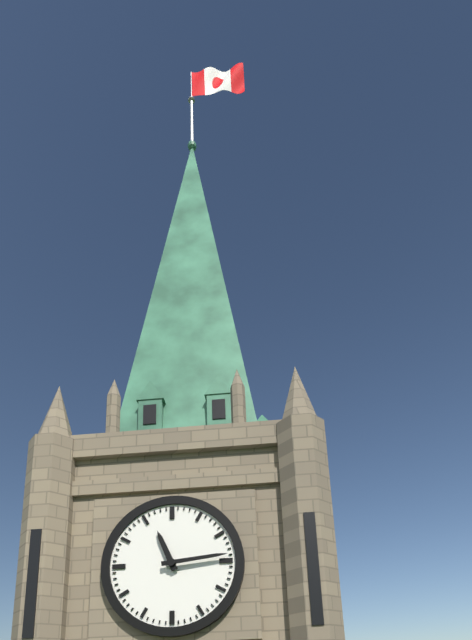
11 h 14 min
